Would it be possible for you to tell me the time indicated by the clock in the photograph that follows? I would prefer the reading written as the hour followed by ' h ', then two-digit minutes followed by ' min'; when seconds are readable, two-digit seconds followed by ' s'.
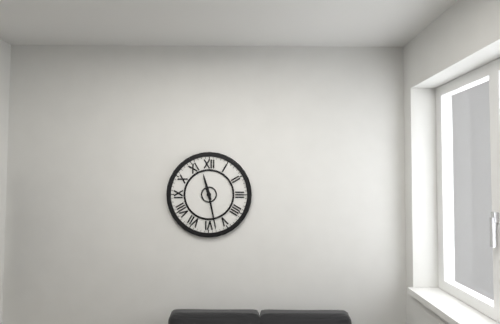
11 h 28 min
